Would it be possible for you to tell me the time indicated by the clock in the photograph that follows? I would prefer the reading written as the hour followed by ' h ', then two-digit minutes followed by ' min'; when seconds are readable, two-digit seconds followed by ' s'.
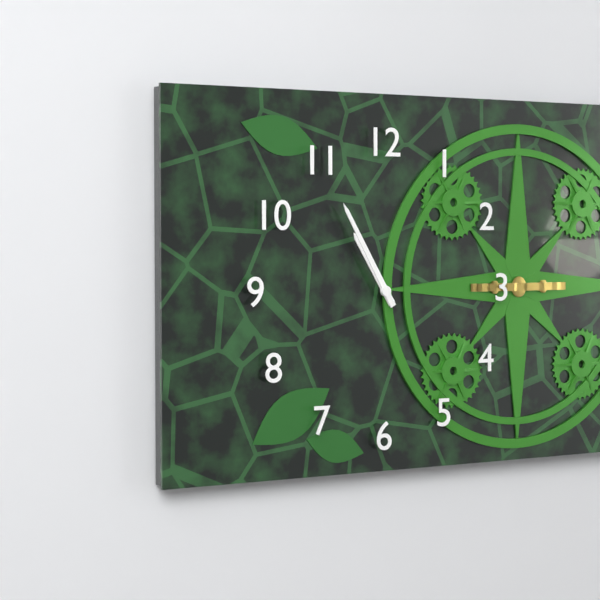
10 h 55 min
